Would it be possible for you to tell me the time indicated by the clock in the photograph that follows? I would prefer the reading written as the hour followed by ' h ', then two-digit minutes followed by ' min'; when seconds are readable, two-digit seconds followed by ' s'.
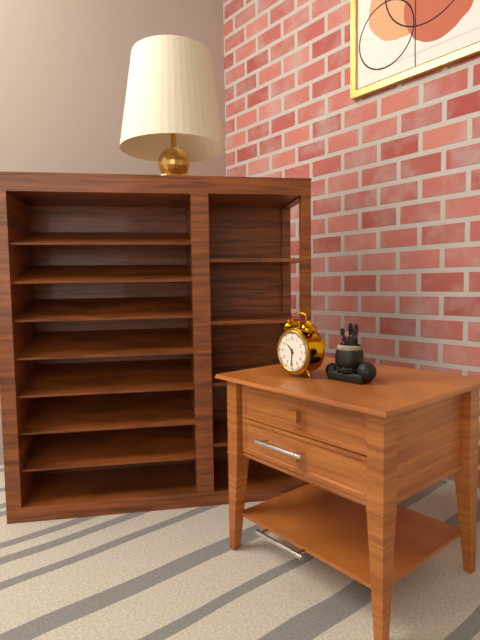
10 h 31 min
